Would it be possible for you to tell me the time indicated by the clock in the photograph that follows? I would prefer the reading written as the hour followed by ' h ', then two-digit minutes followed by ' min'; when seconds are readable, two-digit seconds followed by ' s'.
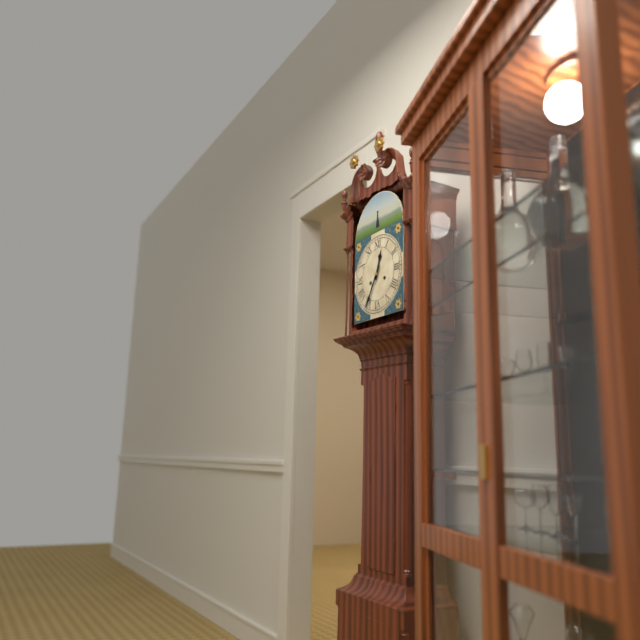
12 h 35 min
